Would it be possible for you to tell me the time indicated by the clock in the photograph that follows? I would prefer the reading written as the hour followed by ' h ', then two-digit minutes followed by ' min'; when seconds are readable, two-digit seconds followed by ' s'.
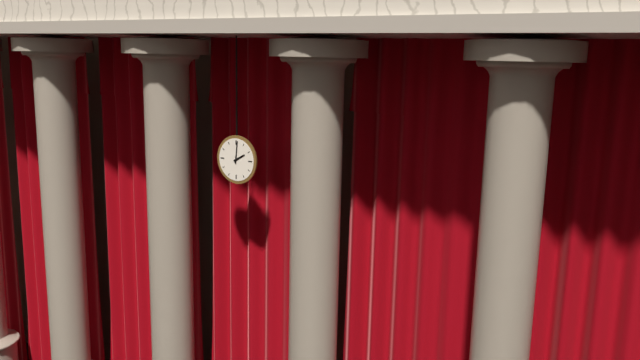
2 h 01 min
